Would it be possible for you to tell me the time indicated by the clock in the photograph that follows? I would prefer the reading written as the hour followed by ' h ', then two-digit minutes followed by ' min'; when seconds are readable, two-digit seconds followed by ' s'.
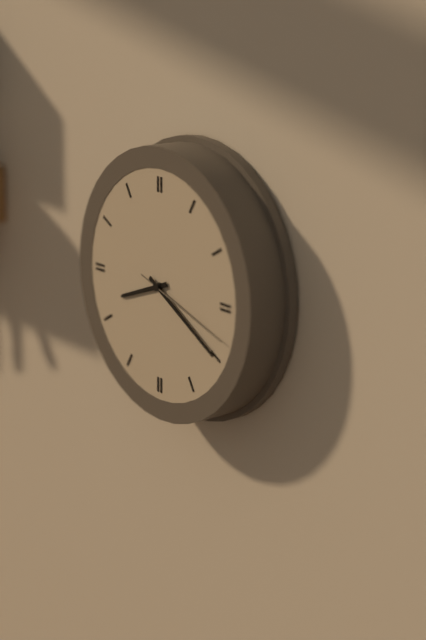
8 h 20 min 18 s
